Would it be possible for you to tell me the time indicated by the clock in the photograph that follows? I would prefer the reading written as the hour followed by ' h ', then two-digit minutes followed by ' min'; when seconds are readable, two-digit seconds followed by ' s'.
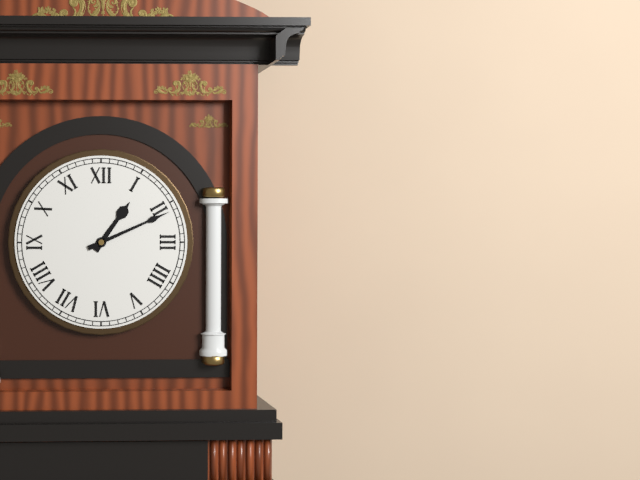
1 h 11 min
